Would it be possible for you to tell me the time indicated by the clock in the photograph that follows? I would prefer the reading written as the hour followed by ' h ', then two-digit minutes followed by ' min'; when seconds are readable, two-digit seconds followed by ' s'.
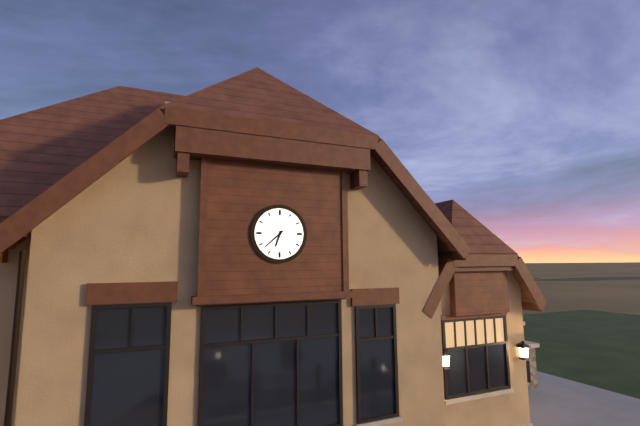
6 h 38 min
